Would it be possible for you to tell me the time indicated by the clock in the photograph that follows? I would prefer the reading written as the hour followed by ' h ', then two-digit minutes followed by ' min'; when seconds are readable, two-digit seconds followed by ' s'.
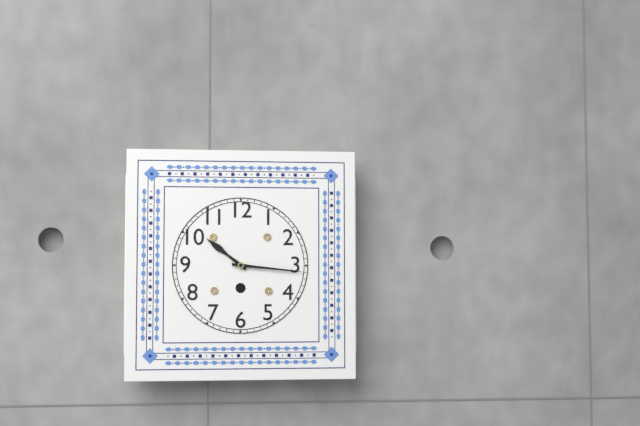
10 h 16 min
